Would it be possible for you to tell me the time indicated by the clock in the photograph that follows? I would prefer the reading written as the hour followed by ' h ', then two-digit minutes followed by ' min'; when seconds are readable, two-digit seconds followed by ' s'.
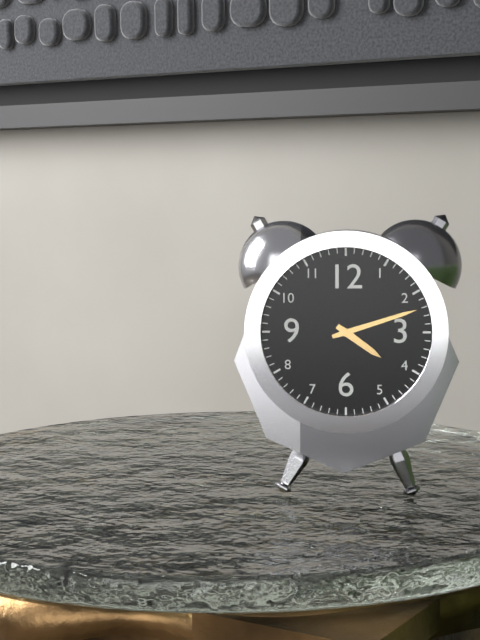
4 h 12 min
